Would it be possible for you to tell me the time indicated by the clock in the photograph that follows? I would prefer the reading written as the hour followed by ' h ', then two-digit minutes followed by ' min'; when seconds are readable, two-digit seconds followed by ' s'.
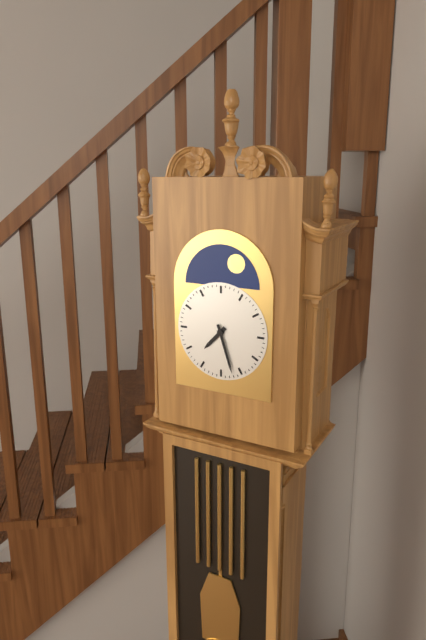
7 h 27 min
